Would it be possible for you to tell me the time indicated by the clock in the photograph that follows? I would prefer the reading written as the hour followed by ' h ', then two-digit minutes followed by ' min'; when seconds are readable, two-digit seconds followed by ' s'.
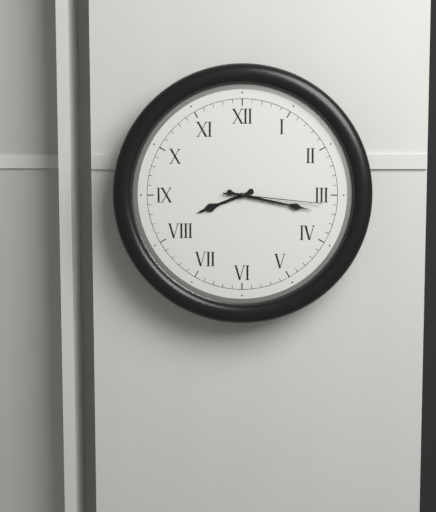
8 h 17 min 16 s
